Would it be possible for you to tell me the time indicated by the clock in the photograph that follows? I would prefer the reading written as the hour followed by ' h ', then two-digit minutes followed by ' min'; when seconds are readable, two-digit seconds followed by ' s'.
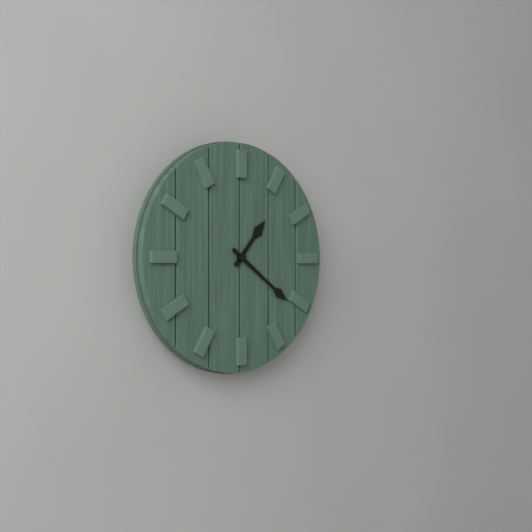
1 h 21 min
